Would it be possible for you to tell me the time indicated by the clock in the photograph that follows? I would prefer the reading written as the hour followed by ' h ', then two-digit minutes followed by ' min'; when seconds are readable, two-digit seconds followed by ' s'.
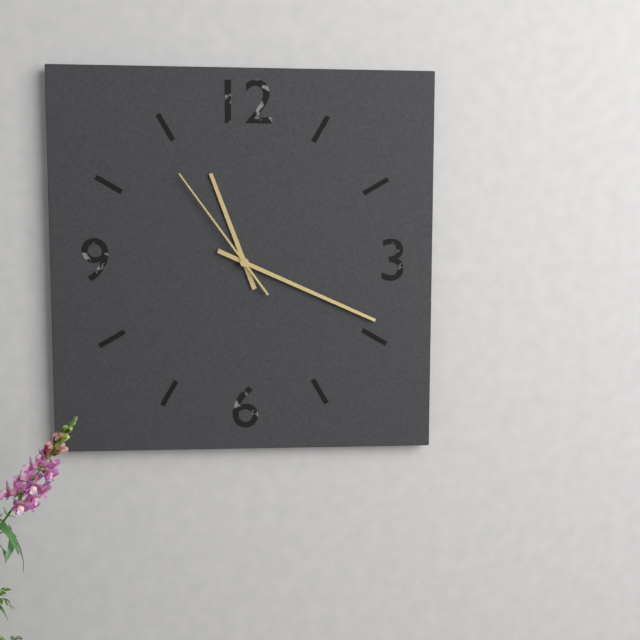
11 h 19 min 54 s
